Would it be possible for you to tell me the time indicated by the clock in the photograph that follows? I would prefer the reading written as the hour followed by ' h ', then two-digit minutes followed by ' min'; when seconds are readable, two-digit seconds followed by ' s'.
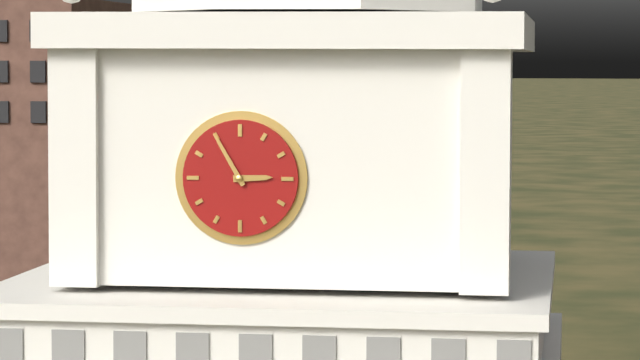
2 h 55 min
